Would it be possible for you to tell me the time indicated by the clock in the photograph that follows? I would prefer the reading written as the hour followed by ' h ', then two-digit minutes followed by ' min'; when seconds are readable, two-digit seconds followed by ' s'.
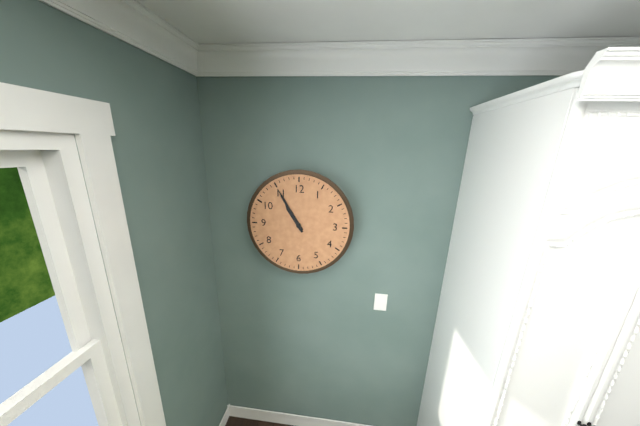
10 h 55 min
